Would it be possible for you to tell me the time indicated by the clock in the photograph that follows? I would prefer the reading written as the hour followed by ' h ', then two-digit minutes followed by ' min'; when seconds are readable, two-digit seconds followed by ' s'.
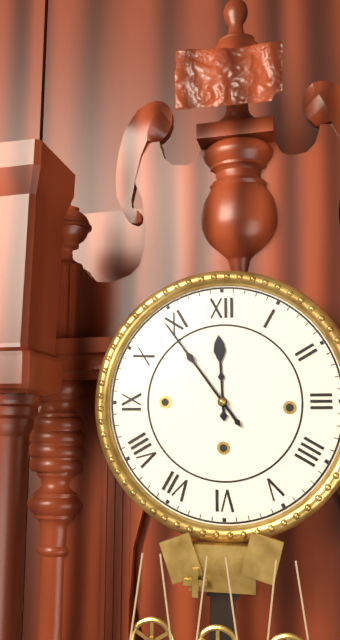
11 h 54 min
